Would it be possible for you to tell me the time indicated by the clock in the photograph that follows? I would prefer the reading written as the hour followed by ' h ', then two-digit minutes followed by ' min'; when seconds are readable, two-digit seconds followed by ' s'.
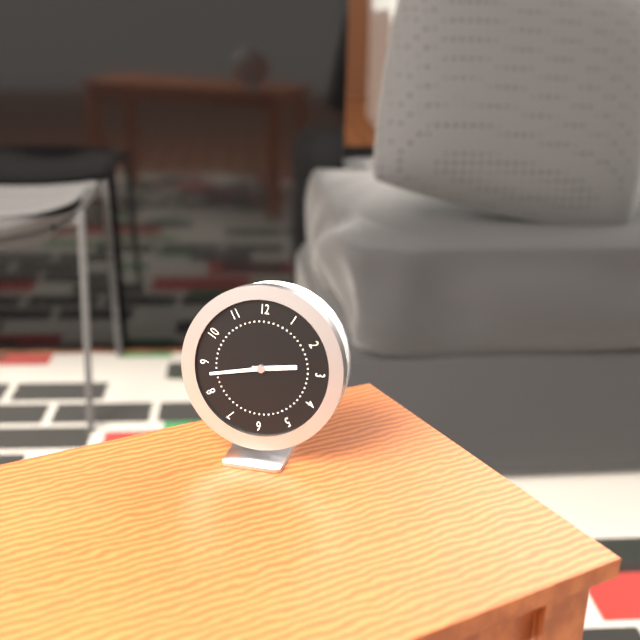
2 h 43 min
